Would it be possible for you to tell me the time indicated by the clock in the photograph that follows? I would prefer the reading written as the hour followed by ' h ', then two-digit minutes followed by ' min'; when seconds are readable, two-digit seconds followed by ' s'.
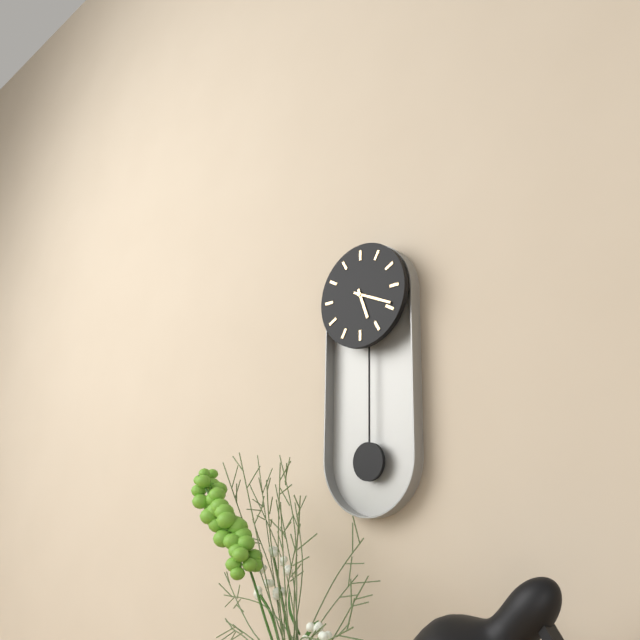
5 h 19 min
